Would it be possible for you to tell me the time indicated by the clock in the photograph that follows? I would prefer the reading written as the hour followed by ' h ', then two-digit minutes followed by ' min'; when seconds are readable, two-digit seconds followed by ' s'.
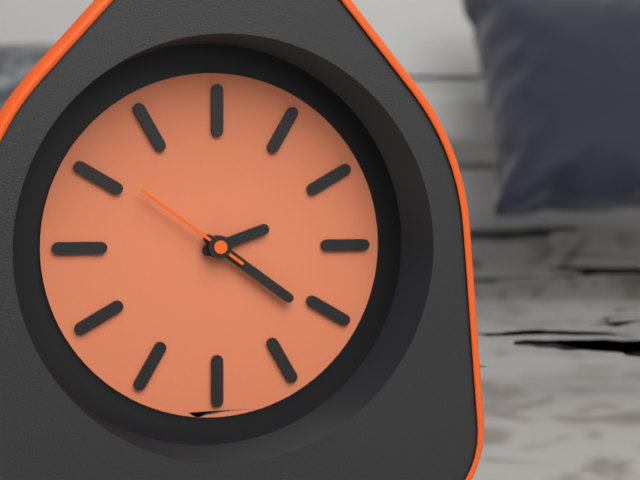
2 h 21 min 51 s
